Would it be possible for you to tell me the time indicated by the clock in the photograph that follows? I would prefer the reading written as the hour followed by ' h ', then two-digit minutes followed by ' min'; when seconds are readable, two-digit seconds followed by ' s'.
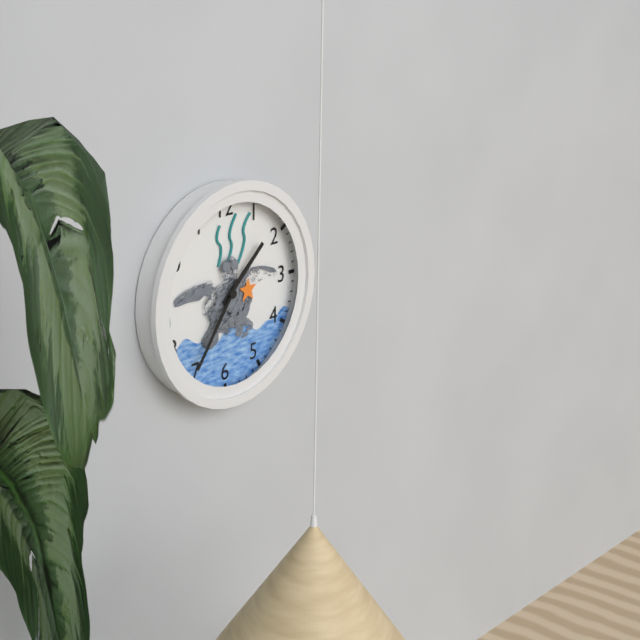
1 h 36 min
